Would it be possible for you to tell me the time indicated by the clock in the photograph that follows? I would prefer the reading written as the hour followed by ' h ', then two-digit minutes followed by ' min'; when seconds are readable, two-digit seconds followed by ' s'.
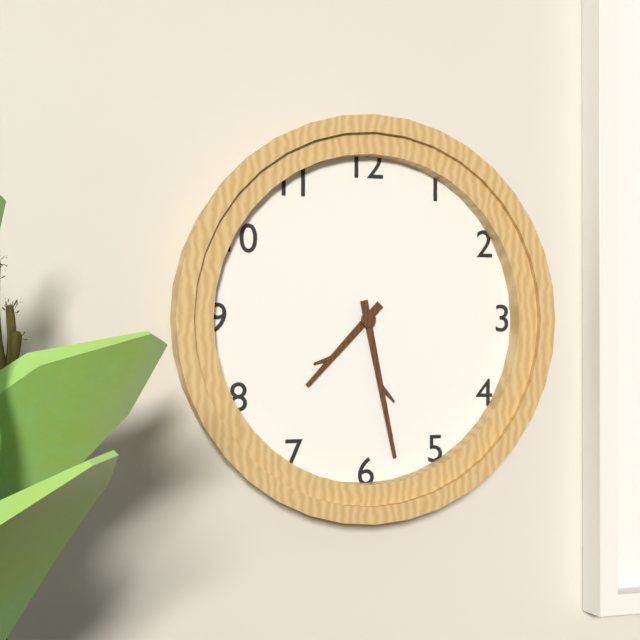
7 h 28 min
